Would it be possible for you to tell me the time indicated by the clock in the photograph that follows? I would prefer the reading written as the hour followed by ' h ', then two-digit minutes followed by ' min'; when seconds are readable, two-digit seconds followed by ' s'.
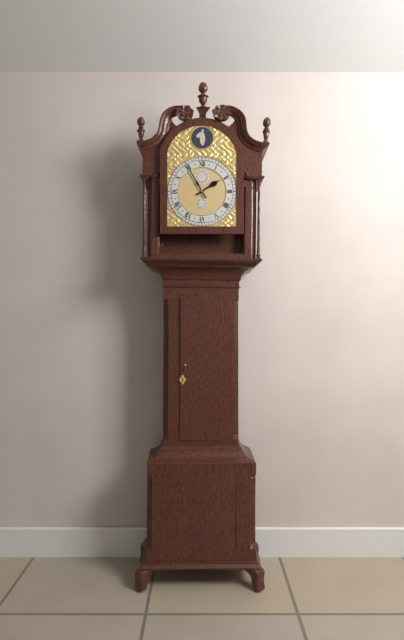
1 h 55 min
